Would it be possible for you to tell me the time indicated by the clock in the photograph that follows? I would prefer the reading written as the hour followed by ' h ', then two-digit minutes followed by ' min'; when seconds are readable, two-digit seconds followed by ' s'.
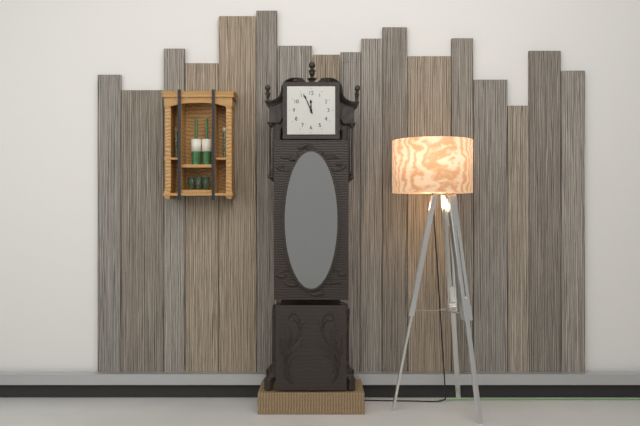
11 h 56 min
